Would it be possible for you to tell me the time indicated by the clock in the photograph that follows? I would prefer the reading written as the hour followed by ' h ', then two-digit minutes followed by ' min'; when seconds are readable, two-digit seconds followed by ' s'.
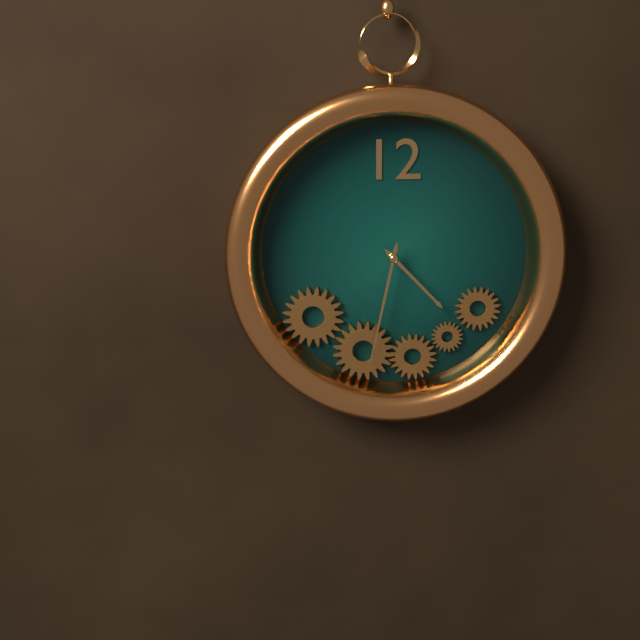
4 h 32 min
